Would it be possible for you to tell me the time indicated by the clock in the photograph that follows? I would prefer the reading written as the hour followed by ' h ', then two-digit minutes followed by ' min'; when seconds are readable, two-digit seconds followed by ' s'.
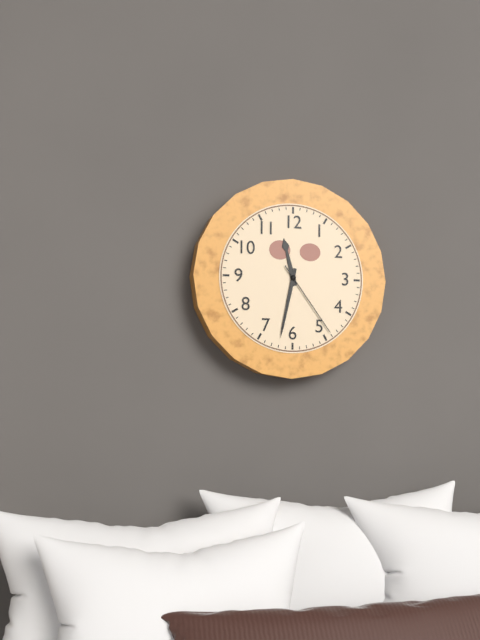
11 h 32 min 24 s
